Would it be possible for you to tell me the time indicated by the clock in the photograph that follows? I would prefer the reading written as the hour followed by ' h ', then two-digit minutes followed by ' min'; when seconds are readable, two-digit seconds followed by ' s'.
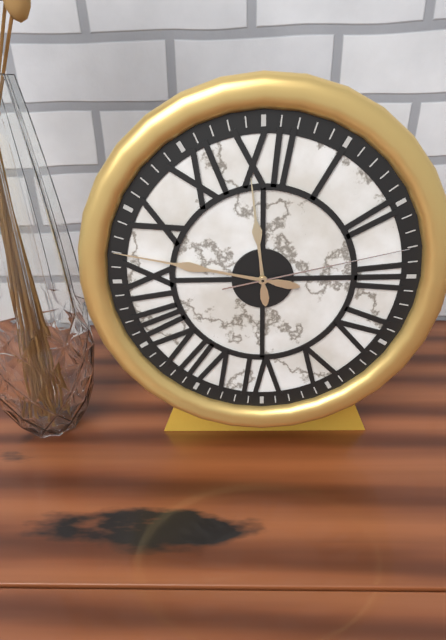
11 h 47 min 13 s
